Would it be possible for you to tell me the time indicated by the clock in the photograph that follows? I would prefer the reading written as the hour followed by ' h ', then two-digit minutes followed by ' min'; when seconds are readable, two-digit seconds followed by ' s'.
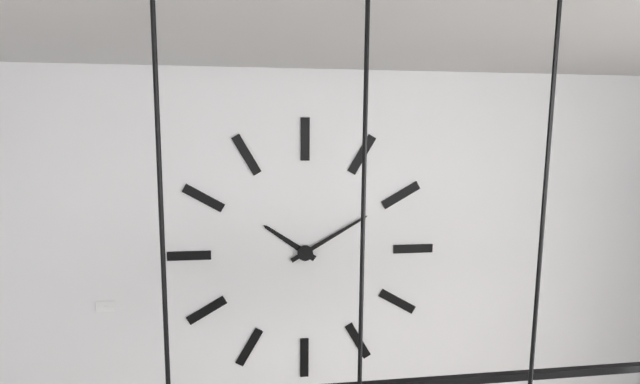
10 h 10 min
